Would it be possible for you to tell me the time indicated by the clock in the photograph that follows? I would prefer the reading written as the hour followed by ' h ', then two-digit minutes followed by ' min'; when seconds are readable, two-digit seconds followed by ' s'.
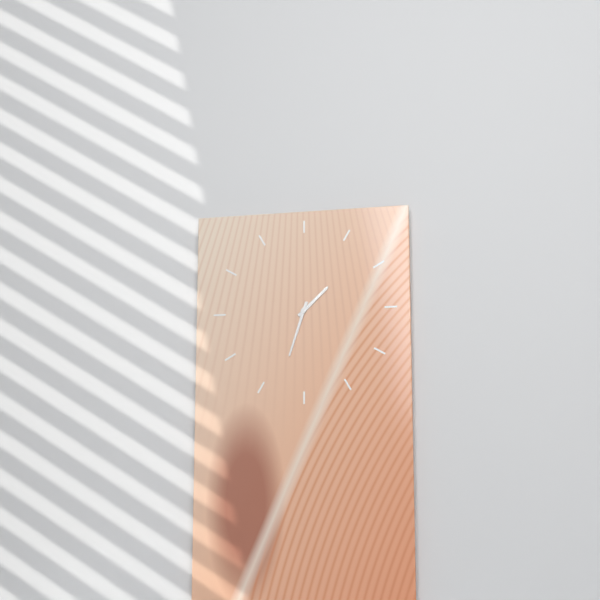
1 h 33 min
